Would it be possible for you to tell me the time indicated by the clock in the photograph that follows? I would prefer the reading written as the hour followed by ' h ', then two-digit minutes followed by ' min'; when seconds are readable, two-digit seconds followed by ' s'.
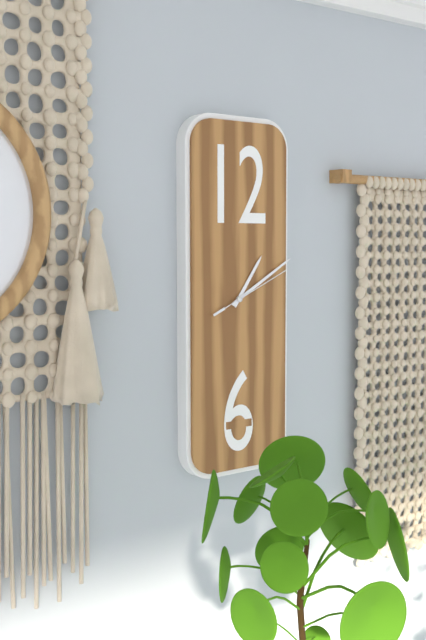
1 h 10 min 11 s
